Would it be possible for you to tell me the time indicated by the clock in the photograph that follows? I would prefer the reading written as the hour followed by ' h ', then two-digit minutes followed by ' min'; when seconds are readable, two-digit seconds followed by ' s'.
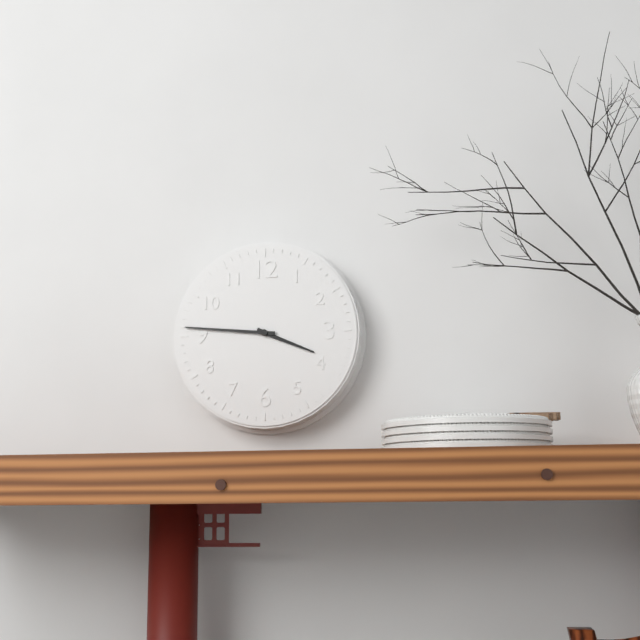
3 h 46 min
